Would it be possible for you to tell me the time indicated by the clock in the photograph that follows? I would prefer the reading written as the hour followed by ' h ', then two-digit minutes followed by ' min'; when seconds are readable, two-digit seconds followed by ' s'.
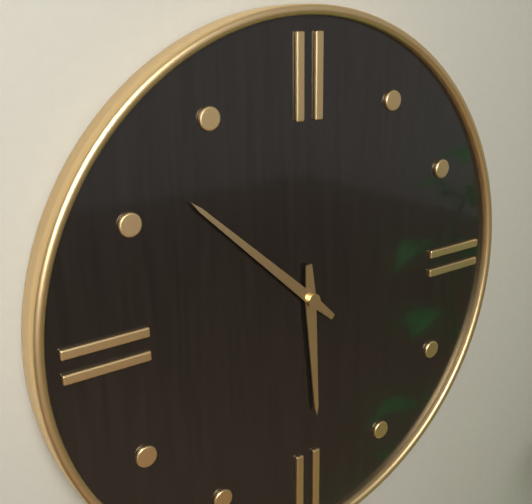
5 h 52 min
